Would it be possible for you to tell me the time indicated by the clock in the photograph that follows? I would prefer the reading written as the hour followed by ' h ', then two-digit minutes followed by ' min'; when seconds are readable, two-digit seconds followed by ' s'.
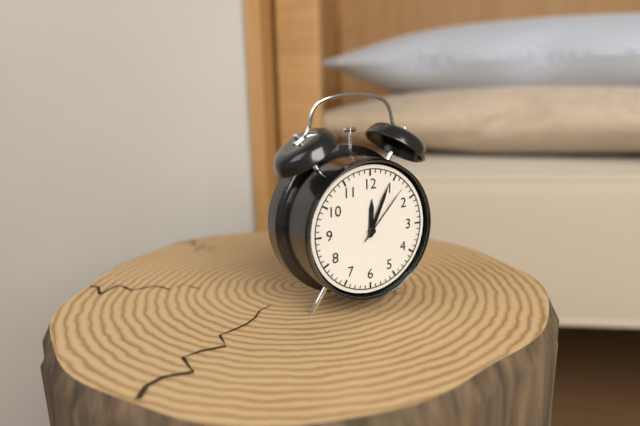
12 h 04 min 07 s
